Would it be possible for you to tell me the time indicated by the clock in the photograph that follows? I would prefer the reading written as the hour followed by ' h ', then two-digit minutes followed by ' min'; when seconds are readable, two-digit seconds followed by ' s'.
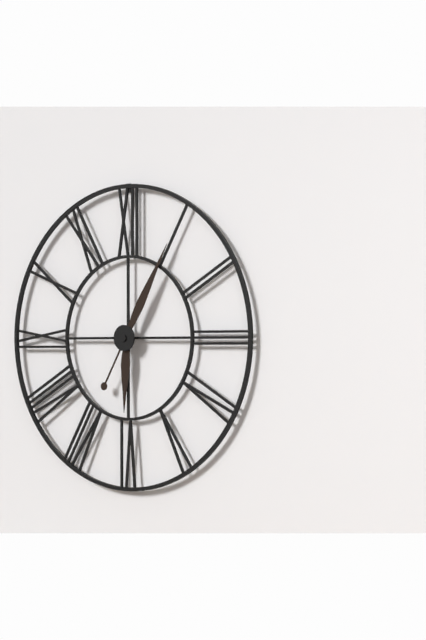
6 h 05 min
